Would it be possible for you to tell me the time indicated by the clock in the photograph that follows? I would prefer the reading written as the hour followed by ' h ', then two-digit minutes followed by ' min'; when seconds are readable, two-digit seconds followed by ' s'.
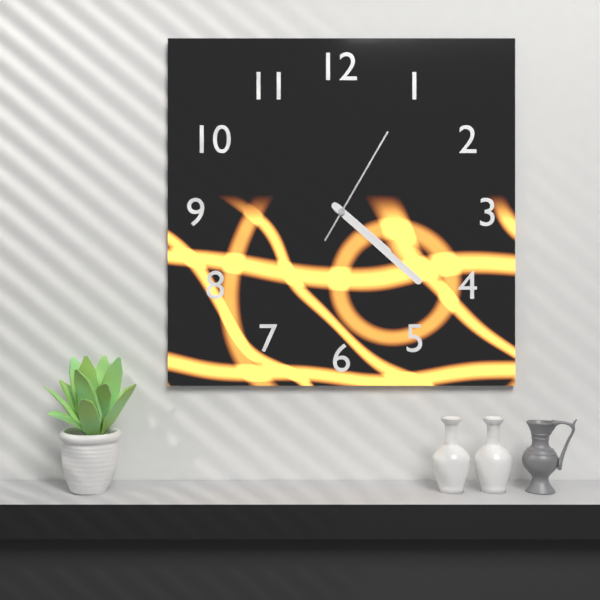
4 h 22 min 05 s
